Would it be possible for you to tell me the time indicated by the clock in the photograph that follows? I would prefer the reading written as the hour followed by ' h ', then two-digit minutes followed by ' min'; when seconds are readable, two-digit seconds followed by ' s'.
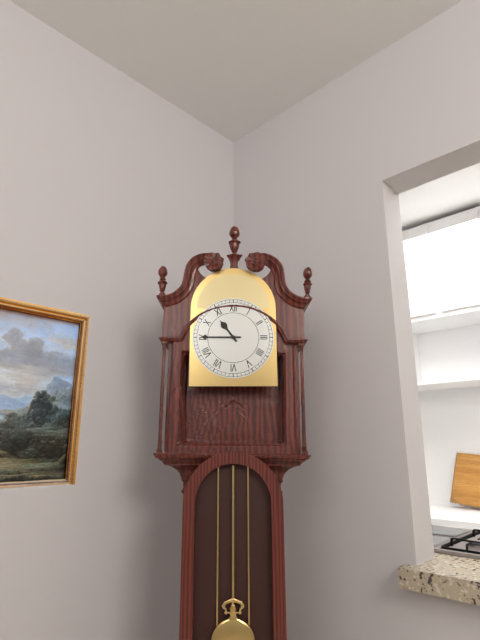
10 h 45 min
